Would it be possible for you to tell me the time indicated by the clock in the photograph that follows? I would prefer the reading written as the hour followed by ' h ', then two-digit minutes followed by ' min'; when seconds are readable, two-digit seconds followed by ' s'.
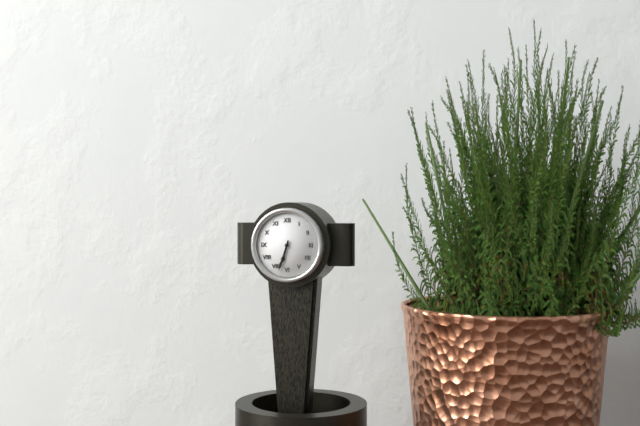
6 h 33 min
